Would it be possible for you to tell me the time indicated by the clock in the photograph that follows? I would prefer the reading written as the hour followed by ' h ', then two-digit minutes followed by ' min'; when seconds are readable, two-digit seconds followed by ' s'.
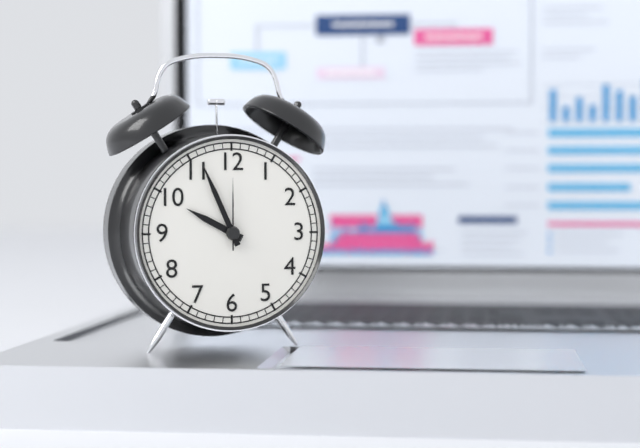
9 h 56 min 00 s
